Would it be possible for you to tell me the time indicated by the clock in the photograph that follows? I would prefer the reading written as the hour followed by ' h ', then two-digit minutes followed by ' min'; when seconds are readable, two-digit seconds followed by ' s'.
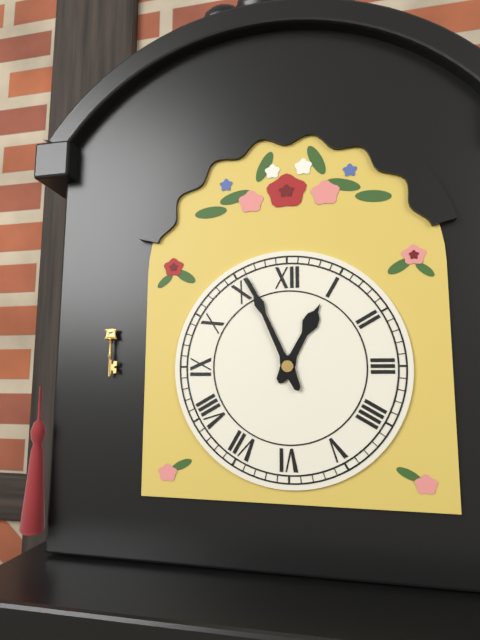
12 h 56 min
